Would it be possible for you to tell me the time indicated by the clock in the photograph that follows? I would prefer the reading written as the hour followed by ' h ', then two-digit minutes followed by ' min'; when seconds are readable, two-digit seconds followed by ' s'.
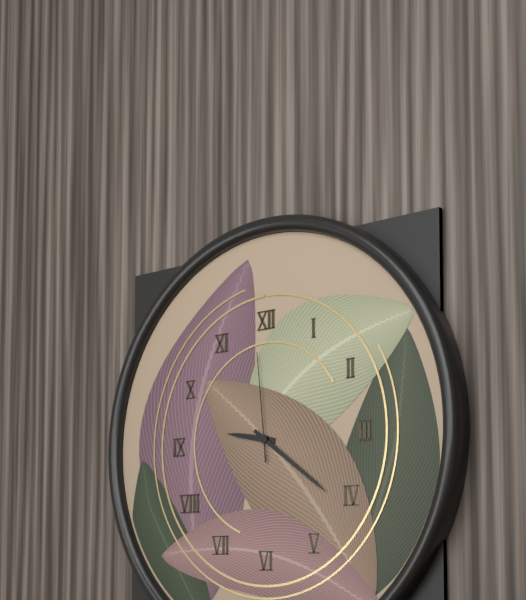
9 h 21 min 59 s
